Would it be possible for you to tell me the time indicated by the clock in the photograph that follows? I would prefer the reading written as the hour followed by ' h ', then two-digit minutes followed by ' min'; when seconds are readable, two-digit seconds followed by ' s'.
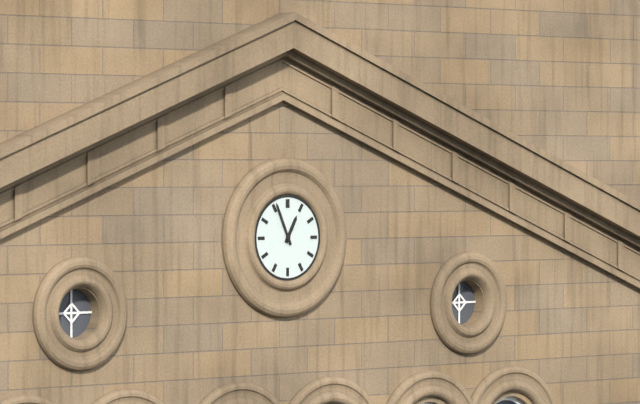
12 h 56 min
